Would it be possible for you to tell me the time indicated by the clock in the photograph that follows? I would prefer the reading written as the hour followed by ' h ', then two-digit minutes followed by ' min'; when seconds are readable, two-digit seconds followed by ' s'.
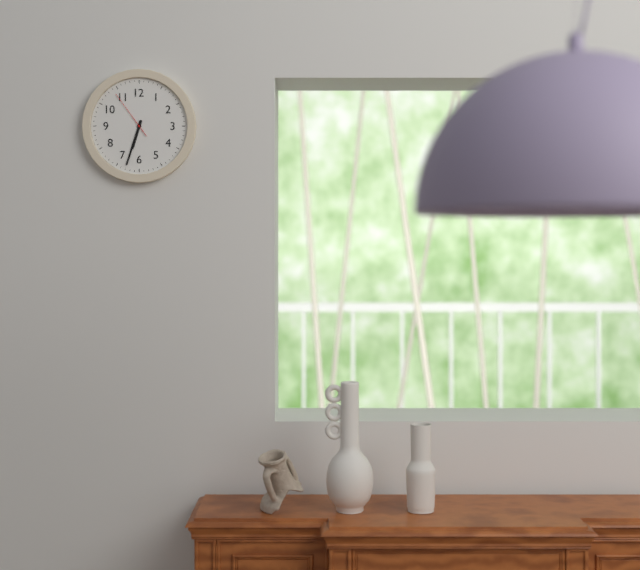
6 h 33 min
